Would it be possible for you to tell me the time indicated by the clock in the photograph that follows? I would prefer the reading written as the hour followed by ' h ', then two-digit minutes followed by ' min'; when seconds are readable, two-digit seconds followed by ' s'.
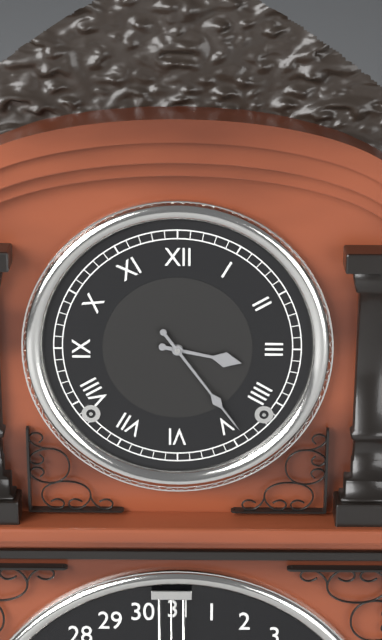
3 h 24 min
